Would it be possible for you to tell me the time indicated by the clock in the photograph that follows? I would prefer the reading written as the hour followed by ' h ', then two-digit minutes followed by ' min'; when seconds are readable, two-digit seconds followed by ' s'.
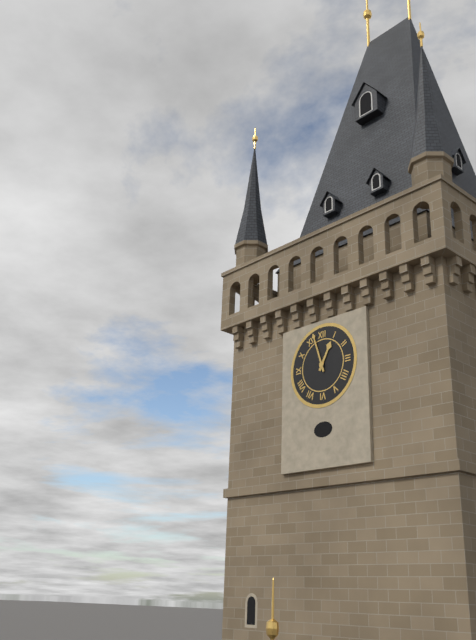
12 h 57 min
